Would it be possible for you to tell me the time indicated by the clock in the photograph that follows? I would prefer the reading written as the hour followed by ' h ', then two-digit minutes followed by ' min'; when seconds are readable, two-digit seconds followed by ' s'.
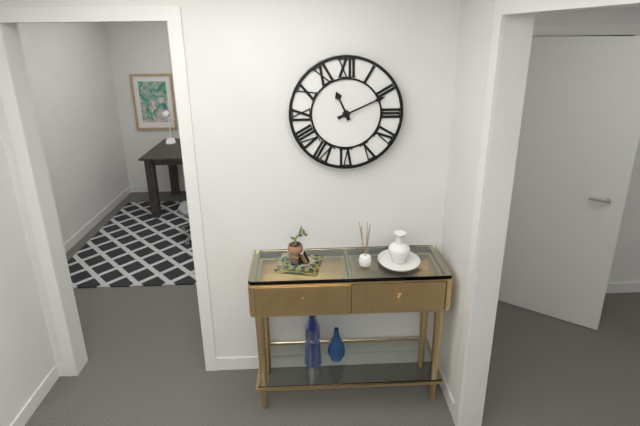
11 h 11 min
